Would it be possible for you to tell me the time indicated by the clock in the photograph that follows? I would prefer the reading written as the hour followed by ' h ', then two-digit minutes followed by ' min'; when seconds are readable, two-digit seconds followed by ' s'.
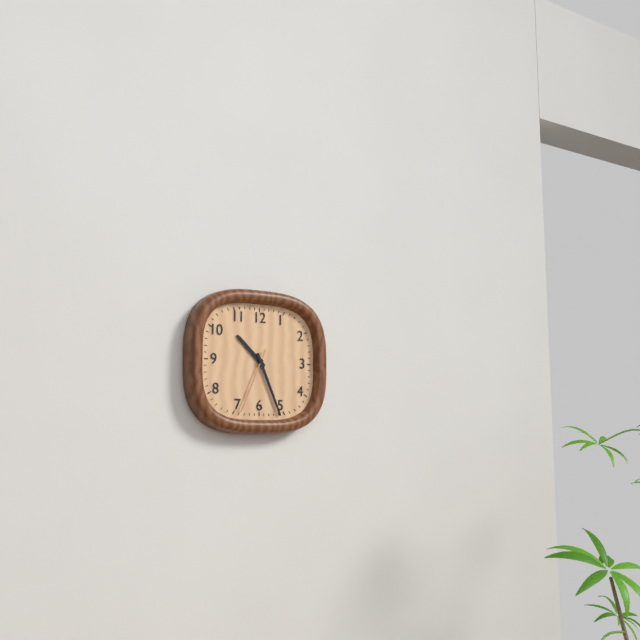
10 h 26 min 34 s
